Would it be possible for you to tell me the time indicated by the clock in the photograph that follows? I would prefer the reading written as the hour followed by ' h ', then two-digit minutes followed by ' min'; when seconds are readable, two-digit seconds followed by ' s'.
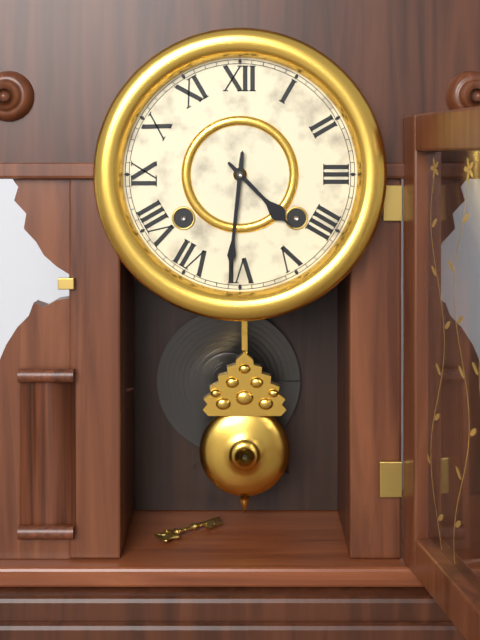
4 h 31 min
